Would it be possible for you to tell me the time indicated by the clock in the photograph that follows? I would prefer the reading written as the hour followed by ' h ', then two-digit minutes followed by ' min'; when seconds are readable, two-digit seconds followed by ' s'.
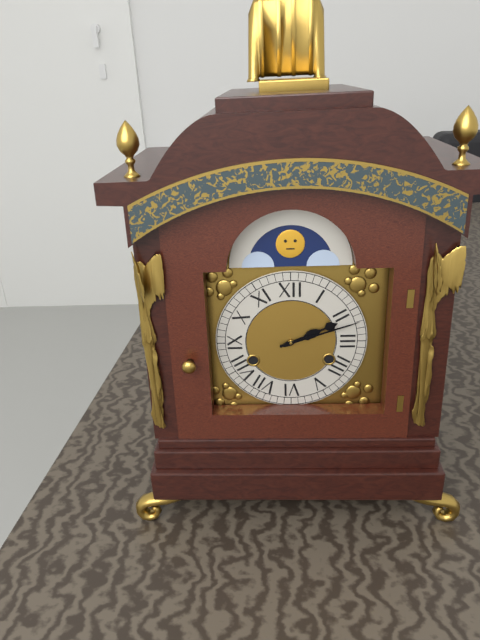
2 h 12 min
